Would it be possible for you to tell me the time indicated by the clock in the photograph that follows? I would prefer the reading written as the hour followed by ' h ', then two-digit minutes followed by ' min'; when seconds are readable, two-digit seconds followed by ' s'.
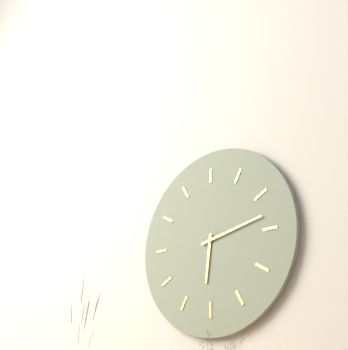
6 h 13 min
